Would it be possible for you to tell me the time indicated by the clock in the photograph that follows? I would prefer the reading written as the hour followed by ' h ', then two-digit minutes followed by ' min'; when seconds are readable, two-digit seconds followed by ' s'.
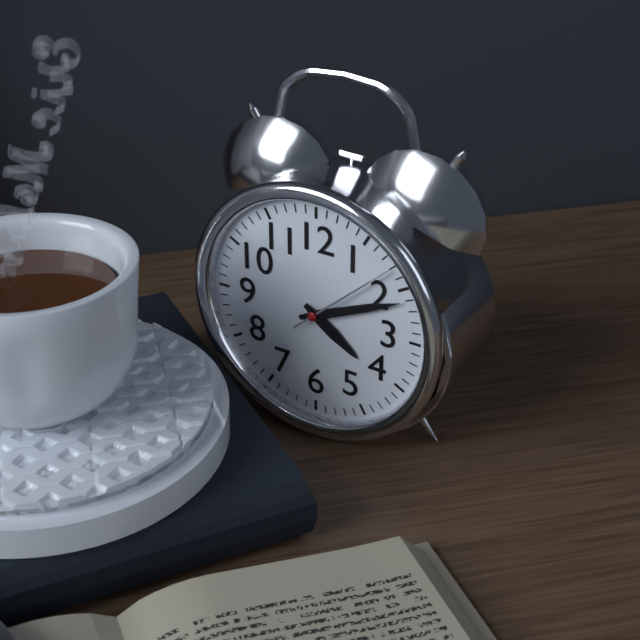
4 h 11 min 08 s
